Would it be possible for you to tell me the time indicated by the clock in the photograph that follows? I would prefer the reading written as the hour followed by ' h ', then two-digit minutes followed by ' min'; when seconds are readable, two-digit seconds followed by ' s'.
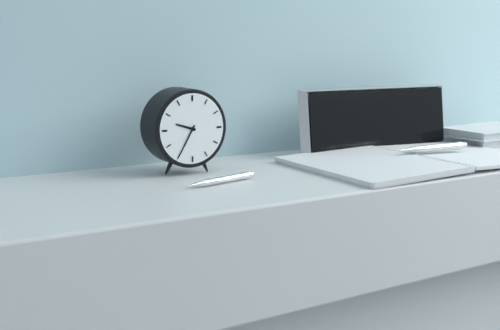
9 h 35 min
